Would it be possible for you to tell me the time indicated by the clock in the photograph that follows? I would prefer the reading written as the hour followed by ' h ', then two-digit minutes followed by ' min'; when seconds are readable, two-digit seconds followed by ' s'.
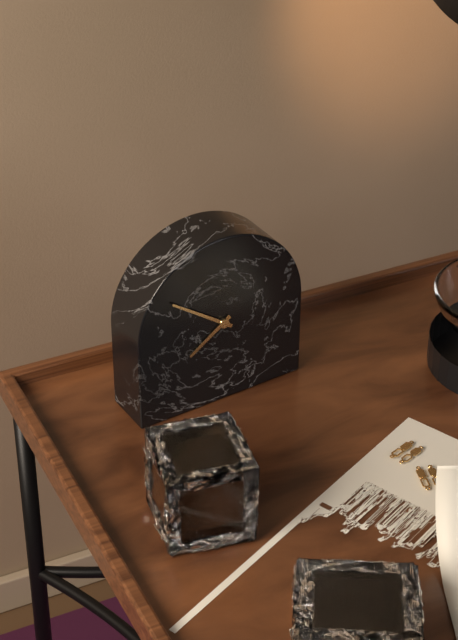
7 h 51 min
